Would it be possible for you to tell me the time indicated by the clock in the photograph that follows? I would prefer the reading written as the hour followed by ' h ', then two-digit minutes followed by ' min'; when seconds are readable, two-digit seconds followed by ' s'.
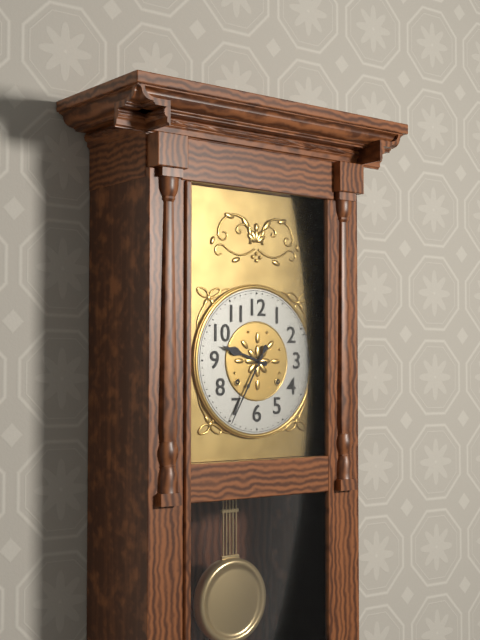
9 h 35 min
